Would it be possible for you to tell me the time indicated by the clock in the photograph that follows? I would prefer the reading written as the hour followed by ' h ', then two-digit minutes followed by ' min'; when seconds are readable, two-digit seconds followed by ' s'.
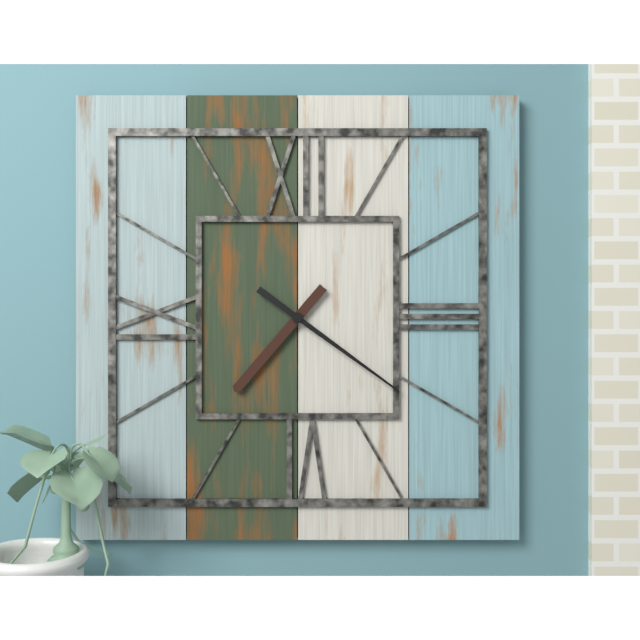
7 h 21 min
